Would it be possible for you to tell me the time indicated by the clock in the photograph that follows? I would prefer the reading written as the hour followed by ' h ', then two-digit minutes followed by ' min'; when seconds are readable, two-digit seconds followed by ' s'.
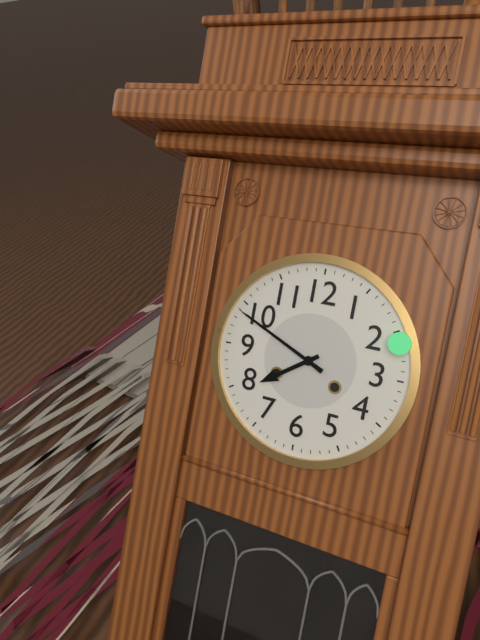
7 h 49 min
